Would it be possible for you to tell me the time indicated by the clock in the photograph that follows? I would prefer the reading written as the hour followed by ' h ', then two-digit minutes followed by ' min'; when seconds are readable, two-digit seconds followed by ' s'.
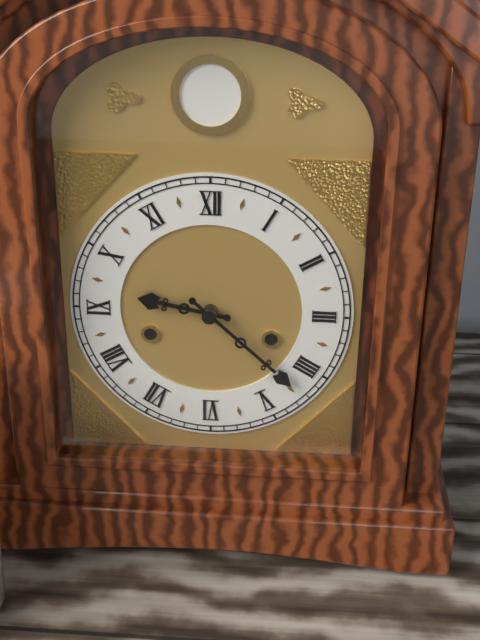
9 h 22 min
